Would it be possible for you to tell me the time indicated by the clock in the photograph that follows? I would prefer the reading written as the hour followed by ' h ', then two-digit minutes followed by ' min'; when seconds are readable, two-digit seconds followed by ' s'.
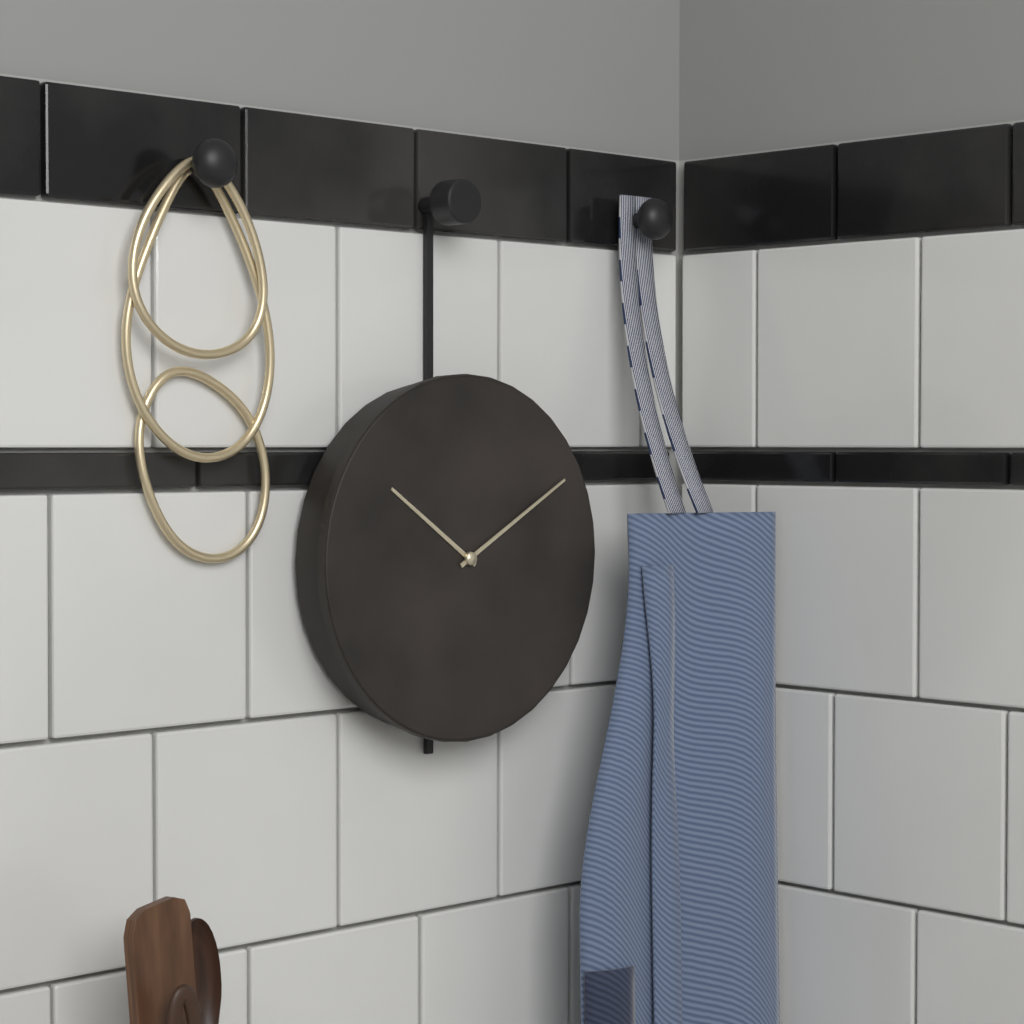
10 h 10 min
